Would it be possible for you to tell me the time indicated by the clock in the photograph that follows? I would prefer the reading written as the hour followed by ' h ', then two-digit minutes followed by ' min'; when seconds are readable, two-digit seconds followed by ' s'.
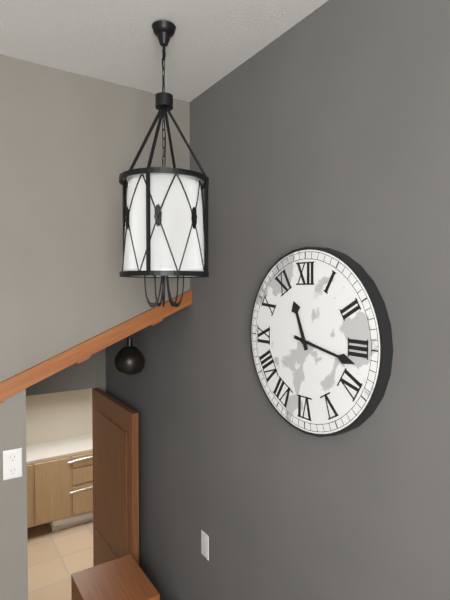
11 h 17 min
